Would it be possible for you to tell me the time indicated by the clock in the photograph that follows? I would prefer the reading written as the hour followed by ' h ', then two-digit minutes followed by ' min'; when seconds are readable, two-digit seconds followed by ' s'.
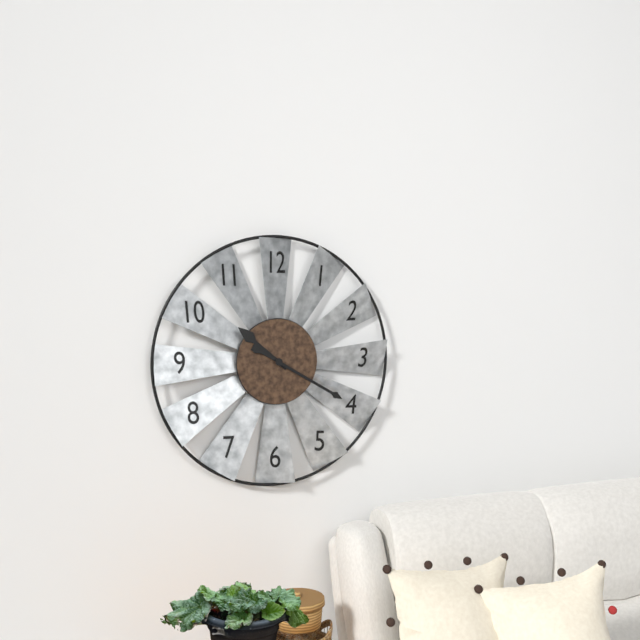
10 h 20 min
